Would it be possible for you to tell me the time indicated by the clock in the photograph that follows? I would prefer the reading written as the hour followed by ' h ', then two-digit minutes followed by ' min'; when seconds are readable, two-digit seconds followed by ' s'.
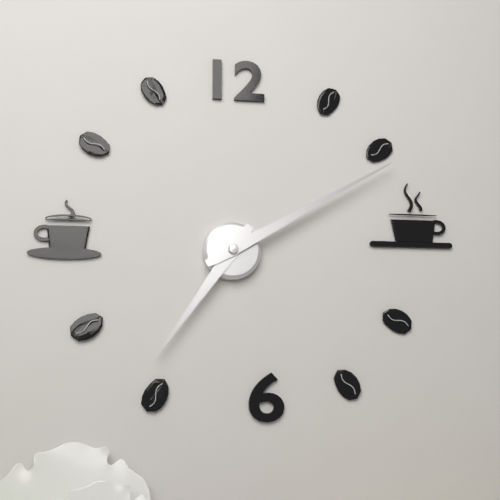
7 h 10 min
